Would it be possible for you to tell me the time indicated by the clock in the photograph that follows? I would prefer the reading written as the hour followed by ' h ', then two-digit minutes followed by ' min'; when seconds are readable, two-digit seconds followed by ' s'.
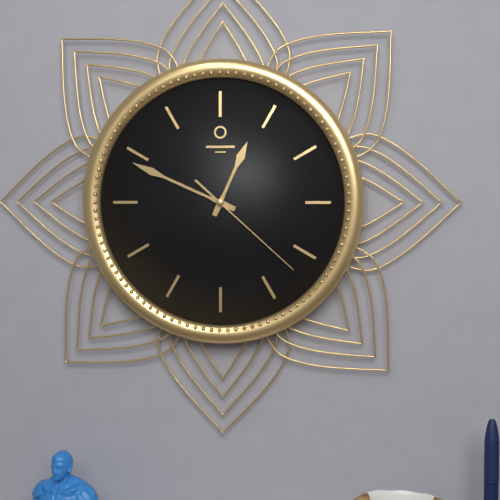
12 h 49 min 22 s
